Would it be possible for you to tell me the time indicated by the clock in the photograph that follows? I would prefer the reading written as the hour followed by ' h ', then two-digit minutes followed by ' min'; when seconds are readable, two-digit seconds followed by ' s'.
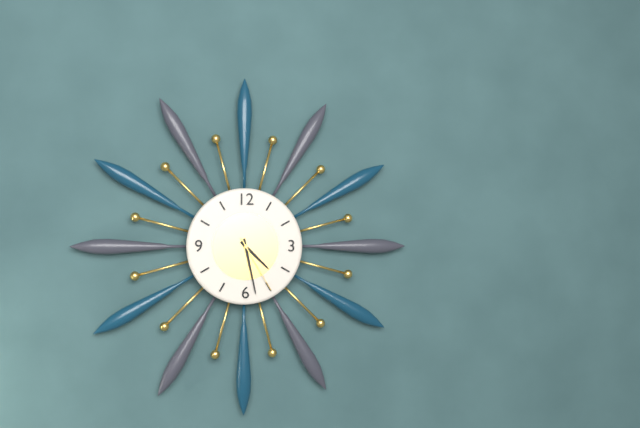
4 h 28 min 25 s
